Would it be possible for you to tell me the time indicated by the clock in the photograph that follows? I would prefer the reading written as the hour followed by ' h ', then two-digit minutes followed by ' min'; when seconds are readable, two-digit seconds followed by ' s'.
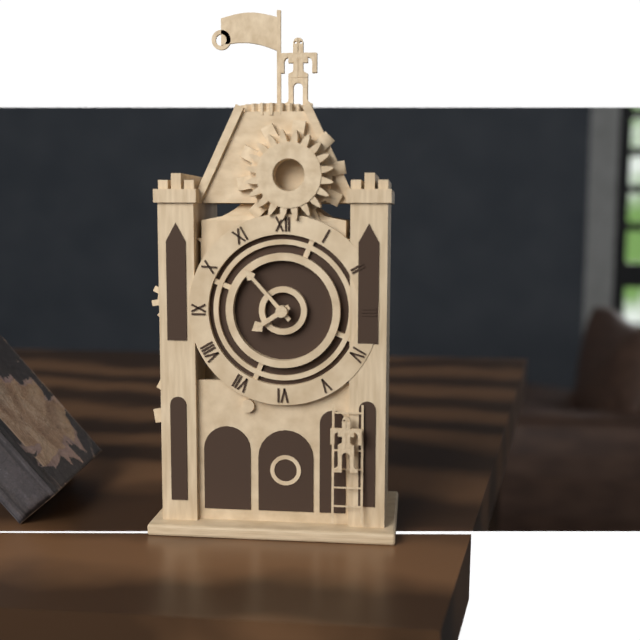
7 h 53 min
